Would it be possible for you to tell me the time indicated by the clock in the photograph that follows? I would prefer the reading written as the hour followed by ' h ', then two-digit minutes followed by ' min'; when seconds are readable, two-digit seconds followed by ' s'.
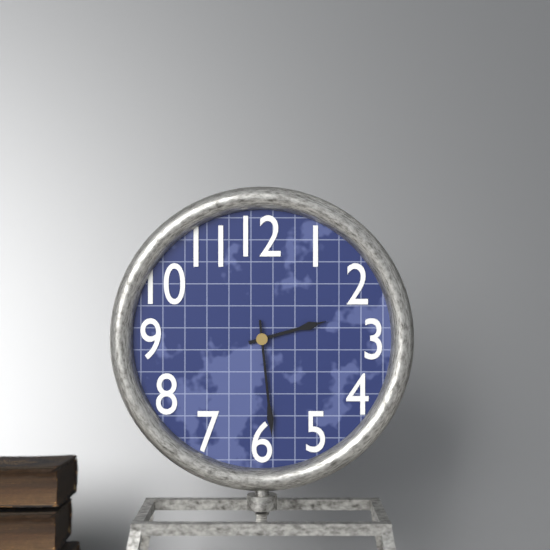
2 h 29 min
